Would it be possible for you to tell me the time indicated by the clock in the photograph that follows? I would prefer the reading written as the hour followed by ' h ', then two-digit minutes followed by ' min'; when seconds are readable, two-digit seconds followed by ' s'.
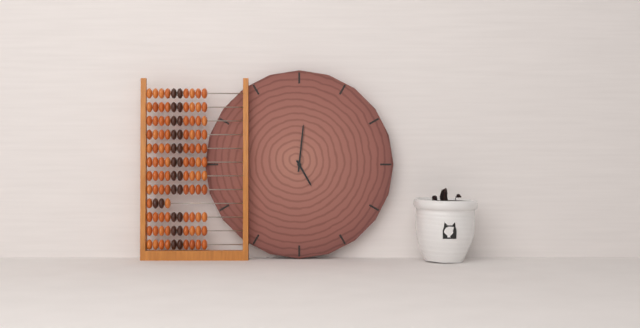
5 h 01 min
